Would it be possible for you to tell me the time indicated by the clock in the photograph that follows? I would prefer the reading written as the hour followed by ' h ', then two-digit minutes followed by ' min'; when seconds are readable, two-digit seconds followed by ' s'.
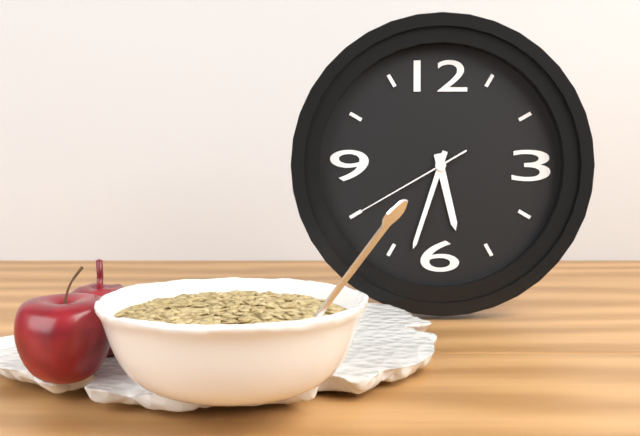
5 h 33 min 40 s
